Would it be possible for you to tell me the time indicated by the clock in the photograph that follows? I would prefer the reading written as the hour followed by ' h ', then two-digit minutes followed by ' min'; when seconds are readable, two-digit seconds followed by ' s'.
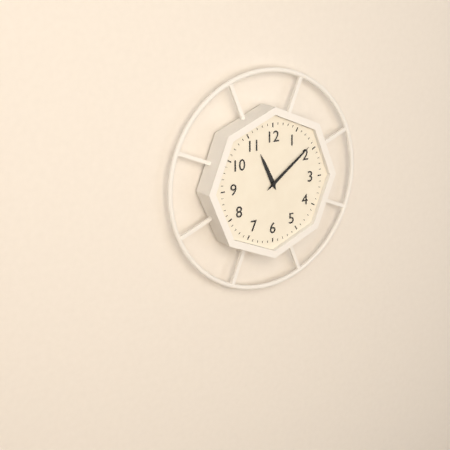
11 h 09 min
